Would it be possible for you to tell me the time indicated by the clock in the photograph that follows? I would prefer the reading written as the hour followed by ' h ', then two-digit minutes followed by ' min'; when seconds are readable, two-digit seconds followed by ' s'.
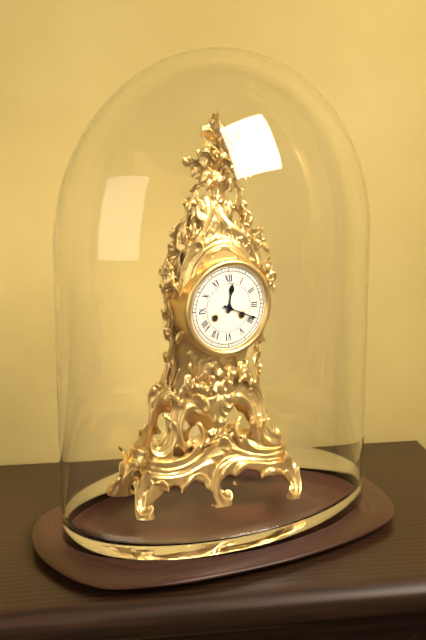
12 h 19 min
